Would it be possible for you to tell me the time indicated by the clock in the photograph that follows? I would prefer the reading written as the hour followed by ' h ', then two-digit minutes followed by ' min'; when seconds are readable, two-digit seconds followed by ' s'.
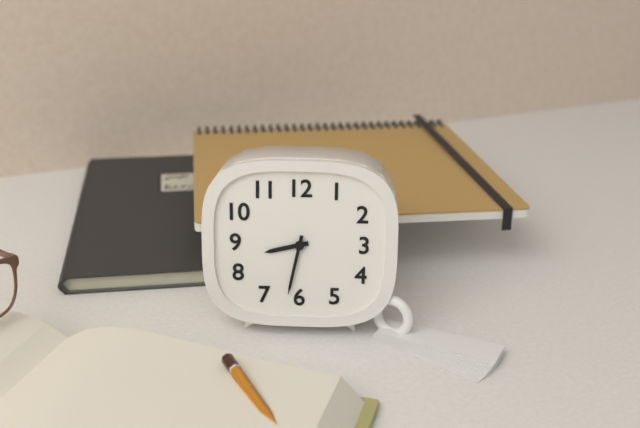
8 h 32 min
